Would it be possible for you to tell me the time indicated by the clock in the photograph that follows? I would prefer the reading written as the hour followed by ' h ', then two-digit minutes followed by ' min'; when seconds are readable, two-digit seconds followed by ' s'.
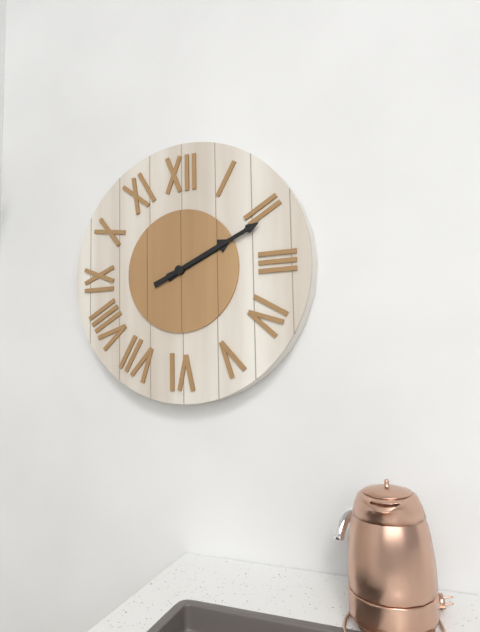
2 h 11 min
